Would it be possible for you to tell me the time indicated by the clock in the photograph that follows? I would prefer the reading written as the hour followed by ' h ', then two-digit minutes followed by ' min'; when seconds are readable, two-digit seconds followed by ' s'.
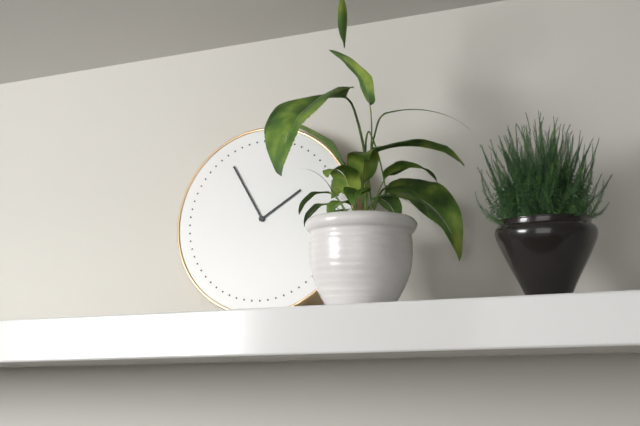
1 h 55 min
